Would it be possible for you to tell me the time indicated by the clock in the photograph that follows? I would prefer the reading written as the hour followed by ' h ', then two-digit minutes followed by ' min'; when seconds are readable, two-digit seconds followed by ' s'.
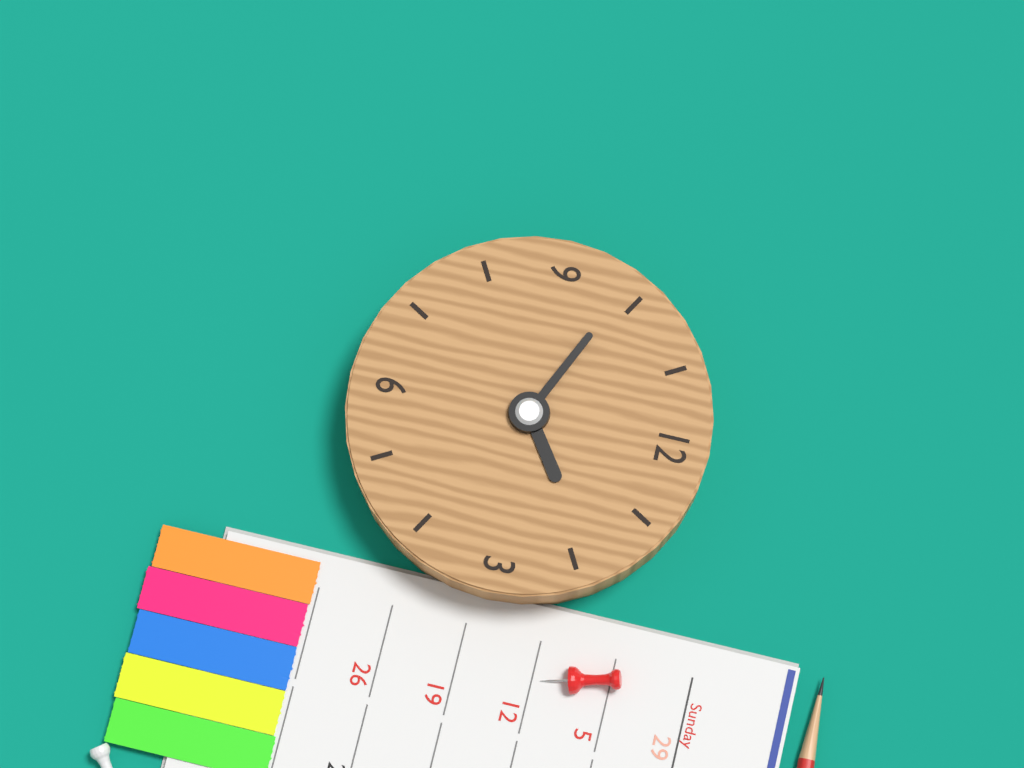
1 h 49 min
